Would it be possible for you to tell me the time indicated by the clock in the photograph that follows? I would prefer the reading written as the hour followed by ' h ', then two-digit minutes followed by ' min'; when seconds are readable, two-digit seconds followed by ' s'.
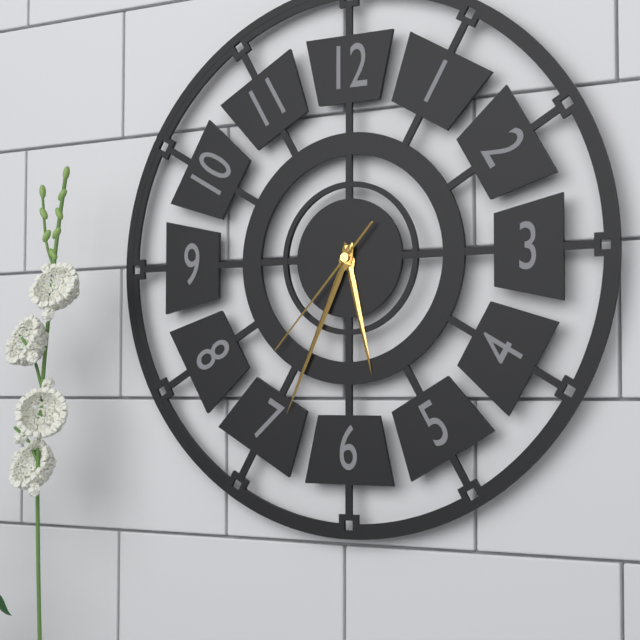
5 h 34 min 37 s
